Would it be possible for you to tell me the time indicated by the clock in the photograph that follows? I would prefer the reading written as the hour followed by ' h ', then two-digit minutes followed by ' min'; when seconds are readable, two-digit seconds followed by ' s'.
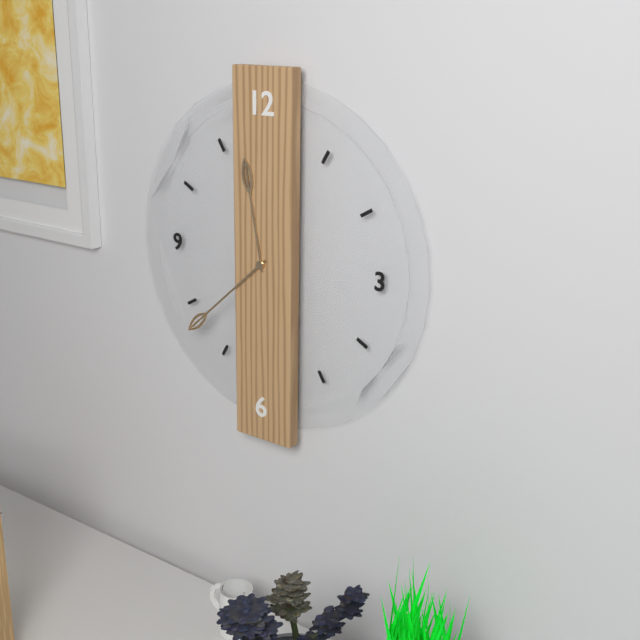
11 h 38 min
